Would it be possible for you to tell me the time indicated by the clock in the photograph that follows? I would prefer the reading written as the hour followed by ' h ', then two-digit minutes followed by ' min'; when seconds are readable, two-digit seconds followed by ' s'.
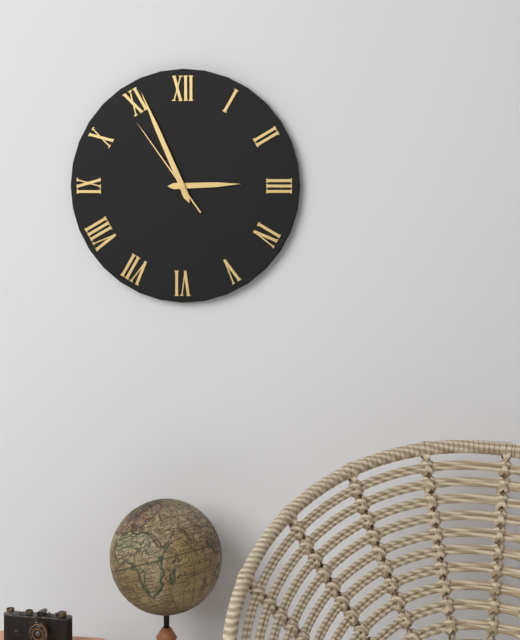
2 h 56 min 54 s
